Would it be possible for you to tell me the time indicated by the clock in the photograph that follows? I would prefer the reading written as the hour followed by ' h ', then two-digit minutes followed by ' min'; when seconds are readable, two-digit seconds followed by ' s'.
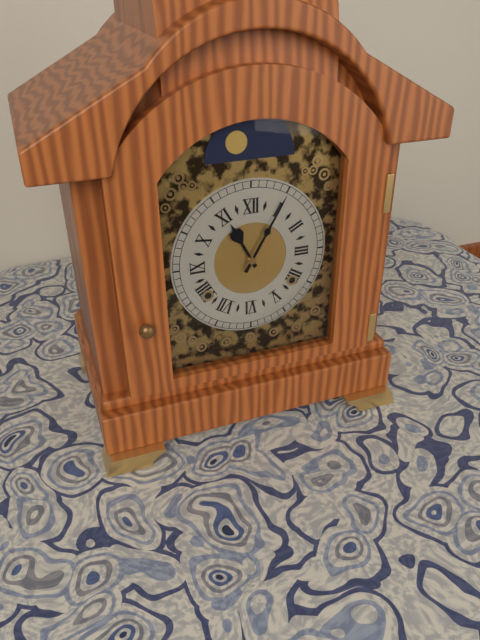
11 h 05 min
